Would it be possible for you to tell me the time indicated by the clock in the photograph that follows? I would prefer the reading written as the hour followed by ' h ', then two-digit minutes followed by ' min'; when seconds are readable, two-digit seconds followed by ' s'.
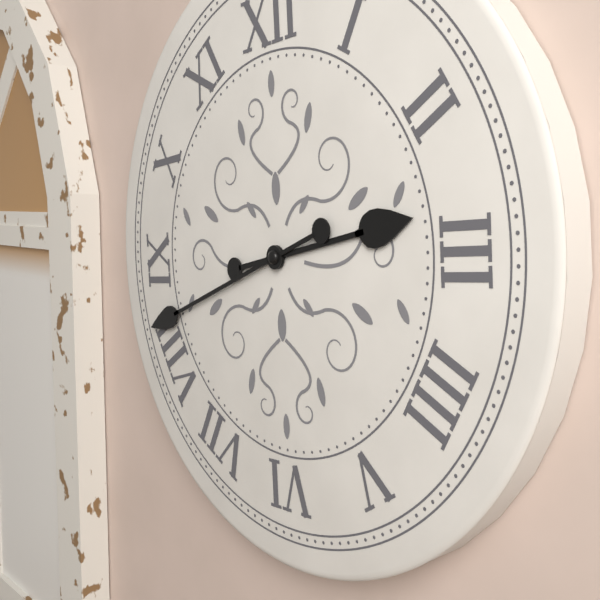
2 h 42 min
